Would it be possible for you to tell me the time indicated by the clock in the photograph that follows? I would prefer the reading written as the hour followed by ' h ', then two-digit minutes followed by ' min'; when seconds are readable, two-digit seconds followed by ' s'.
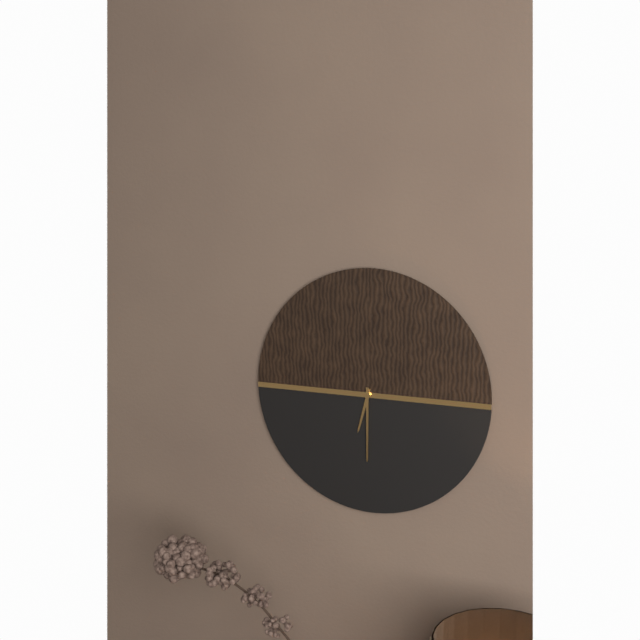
6 h 30 min
